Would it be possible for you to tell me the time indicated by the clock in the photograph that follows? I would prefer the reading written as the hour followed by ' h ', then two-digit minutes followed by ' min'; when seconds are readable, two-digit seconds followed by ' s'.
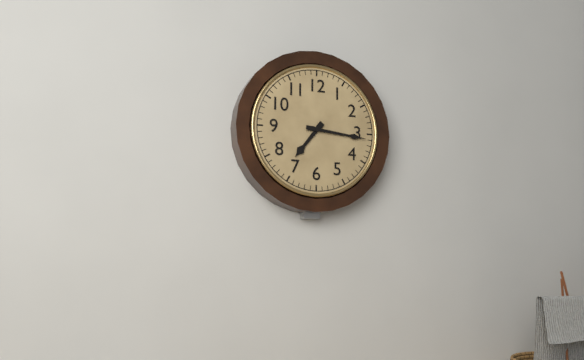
7 h 16 min
